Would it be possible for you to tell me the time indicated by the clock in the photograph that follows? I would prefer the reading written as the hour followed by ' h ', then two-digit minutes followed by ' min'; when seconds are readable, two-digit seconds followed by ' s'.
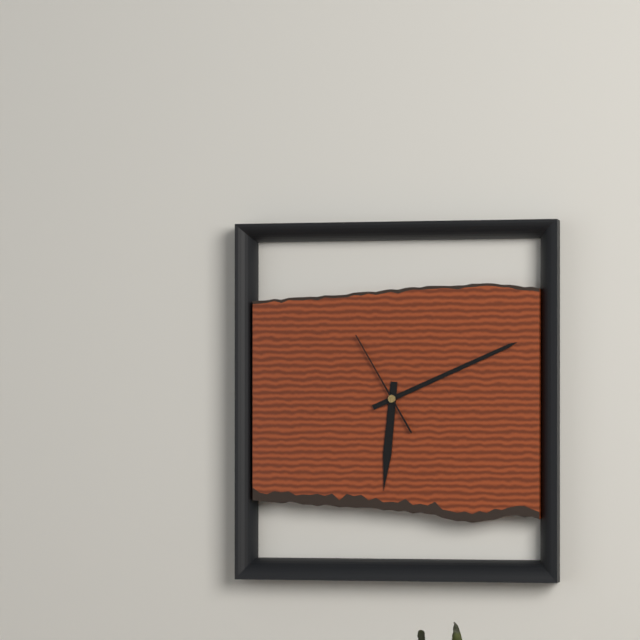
6 h 11 min 55 s
